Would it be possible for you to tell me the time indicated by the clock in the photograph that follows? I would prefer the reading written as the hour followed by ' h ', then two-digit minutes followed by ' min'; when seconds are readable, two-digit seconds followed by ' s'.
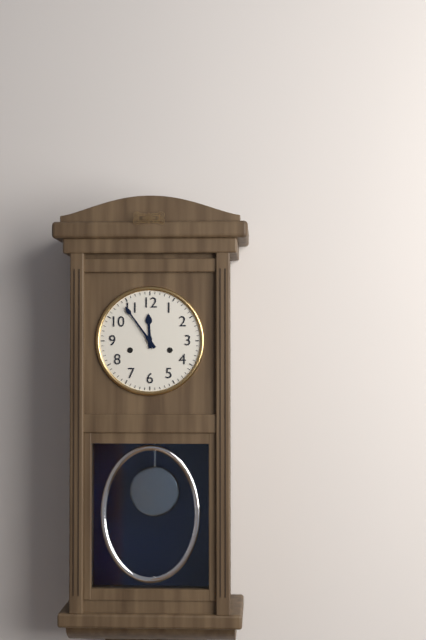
11 h 54 min
